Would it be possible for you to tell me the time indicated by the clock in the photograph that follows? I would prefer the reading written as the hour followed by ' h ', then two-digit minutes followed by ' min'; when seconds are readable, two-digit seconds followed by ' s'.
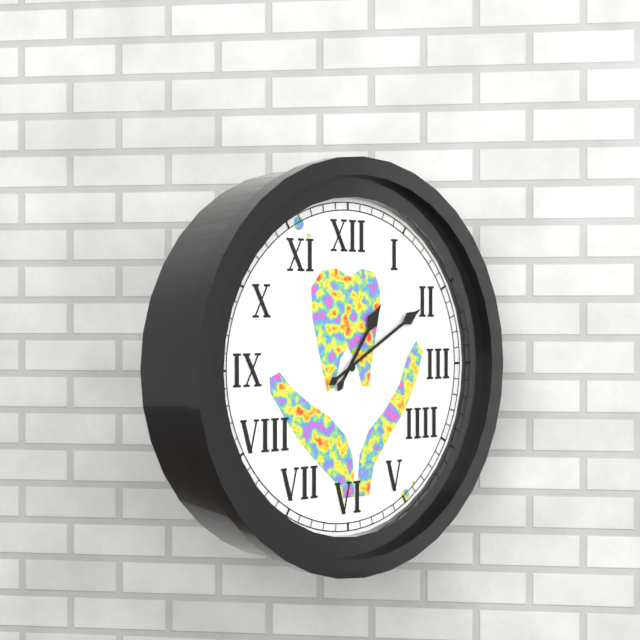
1 h 10 min
